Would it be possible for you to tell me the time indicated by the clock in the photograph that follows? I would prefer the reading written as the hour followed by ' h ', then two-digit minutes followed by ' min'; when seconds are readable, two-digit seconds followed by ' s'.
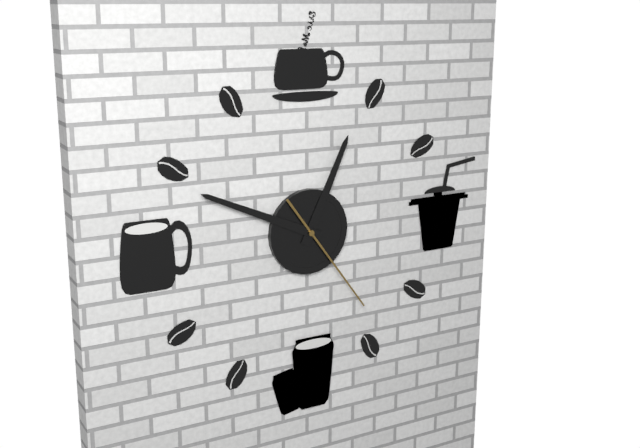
12 h 49 min 24 s
